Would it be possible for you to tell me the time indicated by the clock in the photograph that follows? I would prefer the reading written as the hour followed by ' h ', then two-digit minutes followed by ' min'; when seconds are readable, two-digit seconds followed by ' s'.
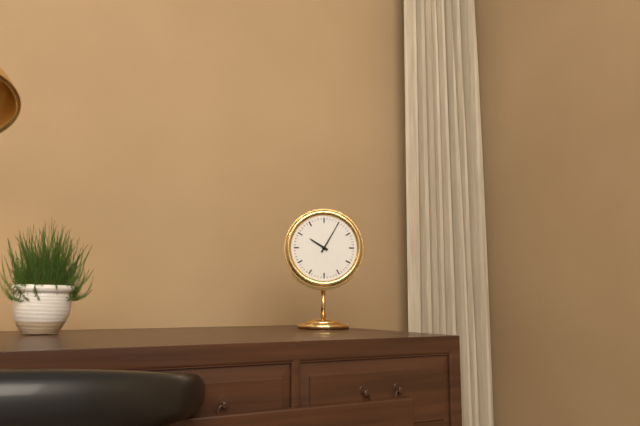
10 h 05 min
